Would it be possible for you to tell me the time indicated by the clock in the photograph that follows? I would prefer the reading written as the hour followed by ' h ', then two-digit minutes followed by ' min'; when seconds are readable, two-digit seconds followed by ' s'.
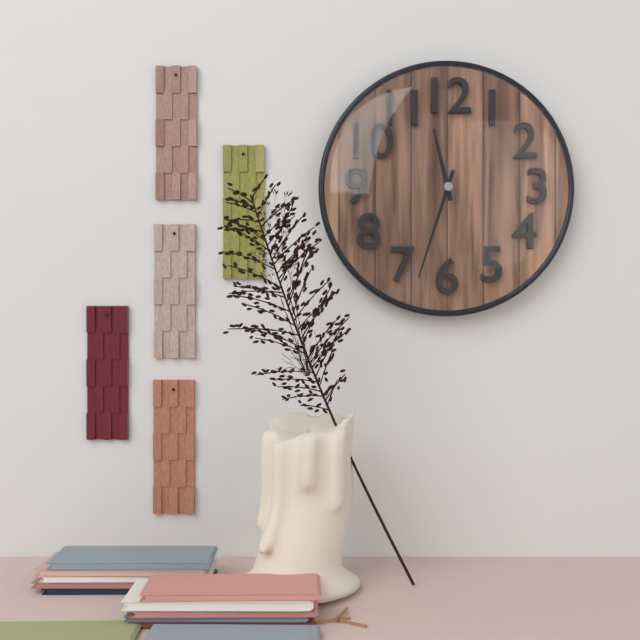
11 h 33 min
